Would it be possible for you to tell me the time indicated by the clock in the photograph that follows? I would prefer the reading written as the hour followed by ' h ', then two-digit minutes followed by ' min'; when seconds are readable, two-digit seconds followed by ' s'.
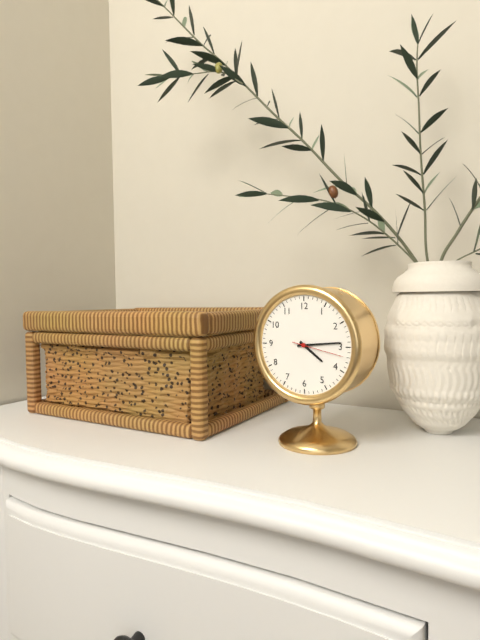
4 h 14 min 17 s
